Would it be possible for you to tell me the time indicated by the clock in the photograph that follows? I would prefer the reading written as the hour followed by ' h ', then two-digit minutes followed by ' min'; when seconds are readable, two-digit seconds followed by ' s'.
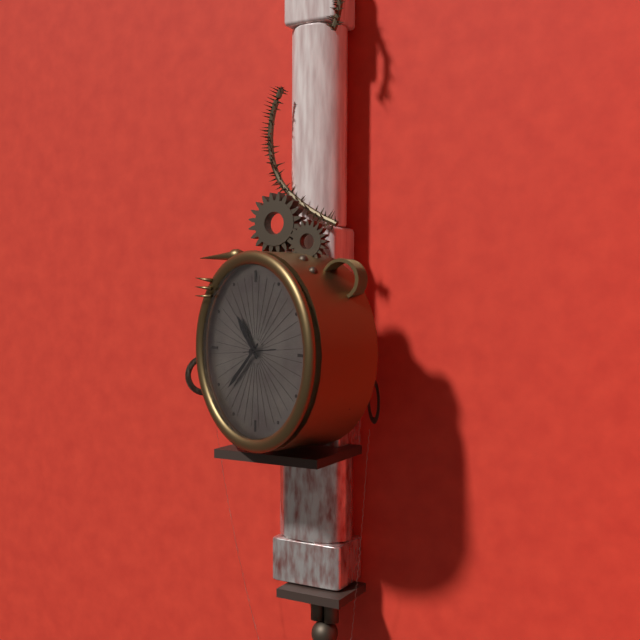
10 h 38 min
